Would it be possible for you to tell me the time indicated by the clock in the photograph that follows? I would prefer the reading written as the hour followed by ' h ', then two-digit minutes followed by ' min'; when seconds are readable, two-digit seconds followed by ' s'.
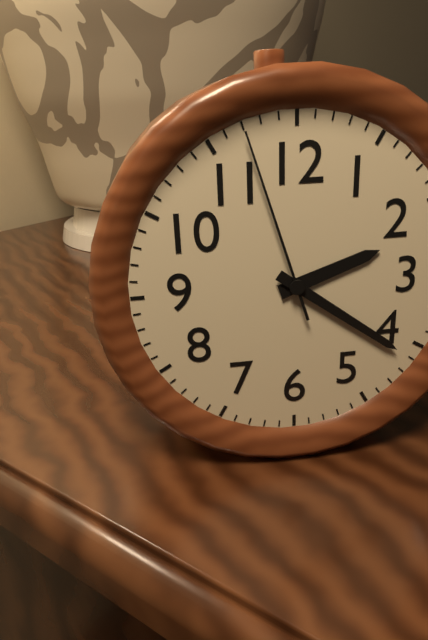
2 h 21 min 57 s
